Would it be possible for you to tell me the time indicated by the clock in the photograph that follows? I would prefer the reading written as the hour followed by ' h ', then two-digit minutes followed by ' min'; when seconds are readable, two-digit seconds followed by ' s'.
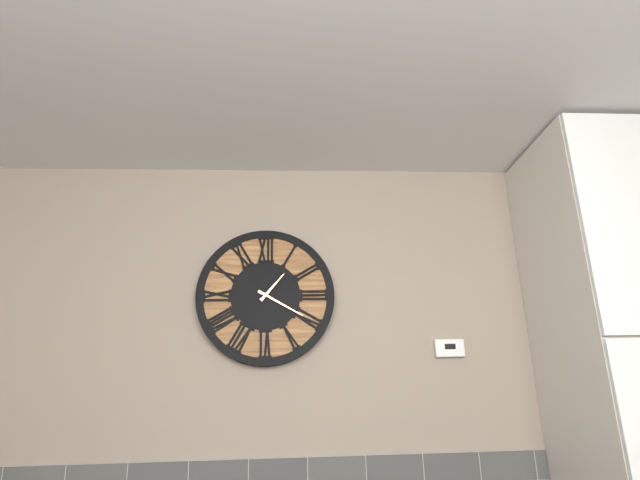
1 h 20 min
